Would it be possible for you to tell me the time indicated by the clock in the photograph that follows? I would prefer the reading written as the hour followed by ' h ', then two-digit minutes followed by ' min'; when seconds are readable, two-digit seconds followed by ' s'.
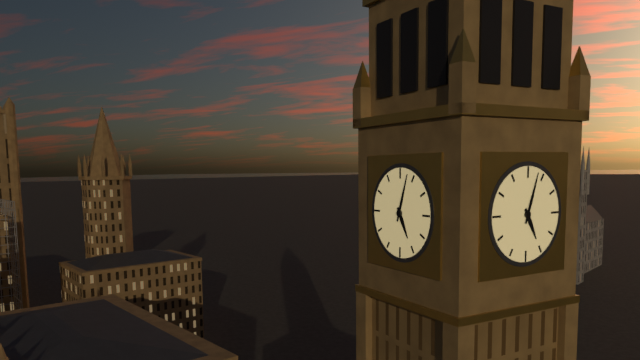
5 h 03 min
